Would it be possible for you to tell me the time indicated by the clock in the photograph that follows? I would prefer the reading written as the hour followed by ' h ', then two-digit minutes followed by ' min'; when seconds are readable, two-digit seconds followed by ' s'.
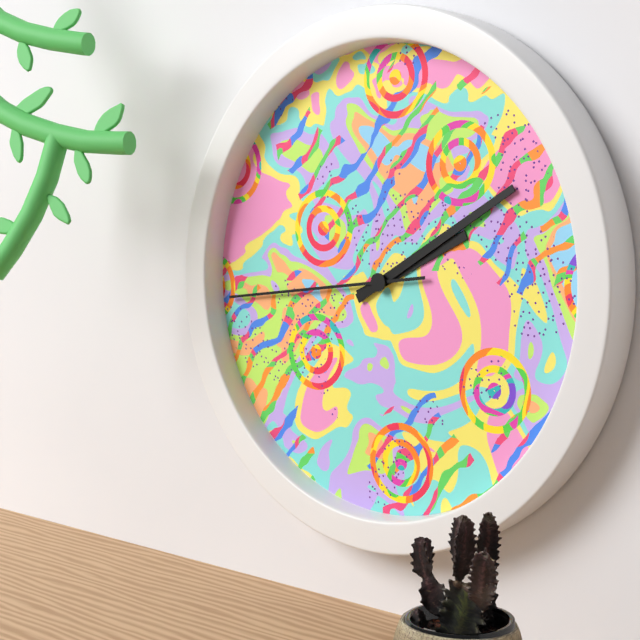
2 h 10 min 44 s
